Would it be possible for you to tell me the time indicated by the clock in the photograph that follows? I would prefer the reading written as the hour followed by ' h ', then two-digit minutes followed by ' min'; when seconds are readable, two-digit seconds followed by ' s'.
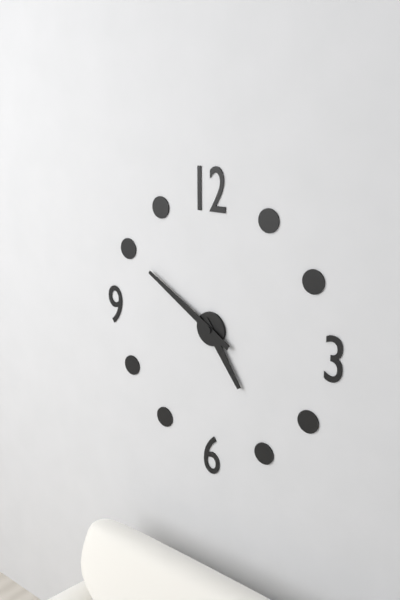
4 h 50 min
